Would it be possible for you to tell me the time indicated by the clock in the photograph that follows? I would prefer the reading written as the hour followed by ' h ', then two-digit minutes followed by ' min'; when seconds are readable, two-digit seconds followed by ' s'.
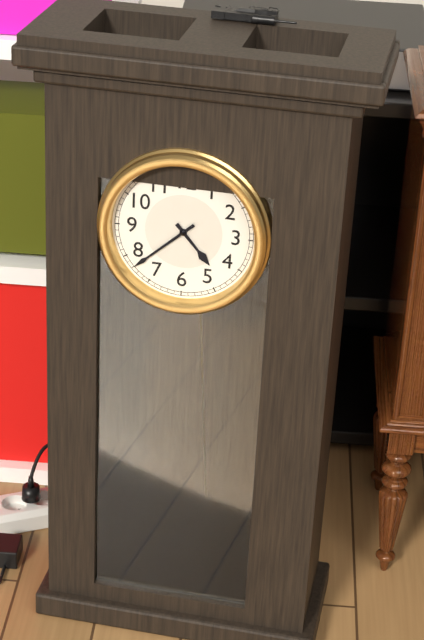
4 h 38 min
